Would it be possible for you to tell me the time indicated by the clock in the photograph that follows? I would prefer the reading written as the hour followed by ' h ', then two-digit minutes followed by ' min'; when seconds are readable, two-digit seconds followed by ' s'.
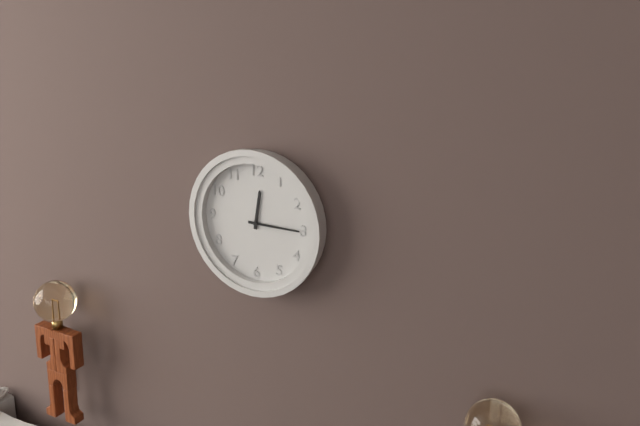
12 h 15 min
